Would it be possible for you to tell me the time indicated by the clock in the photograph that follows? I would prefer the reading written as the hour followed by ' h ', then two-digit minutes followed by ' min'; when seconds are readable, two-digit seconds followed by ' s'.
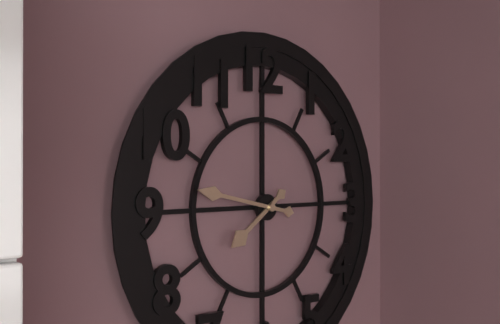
7 h 47 min
